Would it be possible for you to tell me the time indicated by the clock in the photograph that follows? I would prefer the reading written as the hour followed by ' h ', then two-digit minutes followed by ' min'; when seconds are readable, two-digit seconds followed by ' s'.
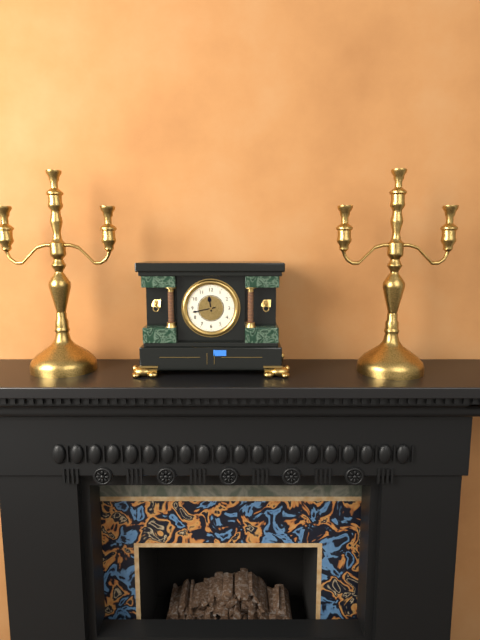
11 h 43 min
